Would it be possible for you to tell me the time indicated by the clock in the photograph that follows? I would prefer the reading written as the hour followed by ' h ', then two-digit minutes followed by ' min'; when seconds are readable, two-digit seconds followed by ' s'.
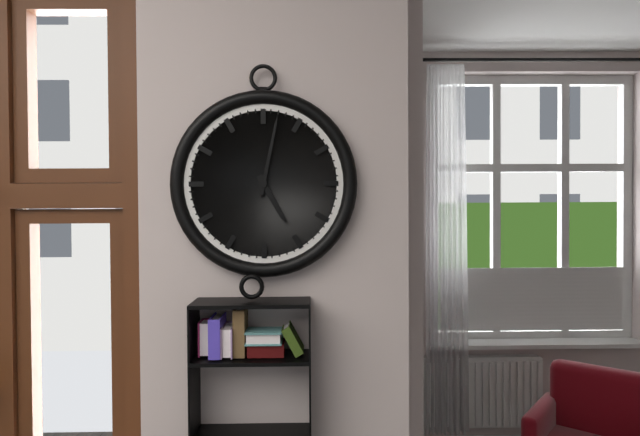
5 h 02 min
